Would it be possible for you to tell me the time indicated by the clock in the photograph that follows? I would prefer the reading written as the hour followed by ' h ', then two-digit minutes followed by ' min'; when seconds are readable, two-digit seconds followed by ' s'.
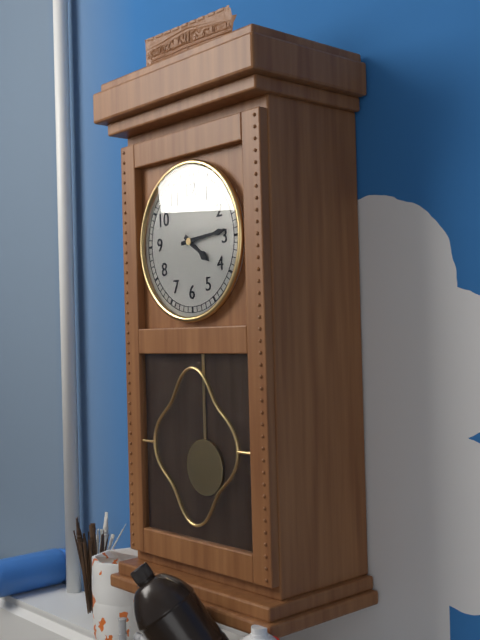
4 h 14 min
